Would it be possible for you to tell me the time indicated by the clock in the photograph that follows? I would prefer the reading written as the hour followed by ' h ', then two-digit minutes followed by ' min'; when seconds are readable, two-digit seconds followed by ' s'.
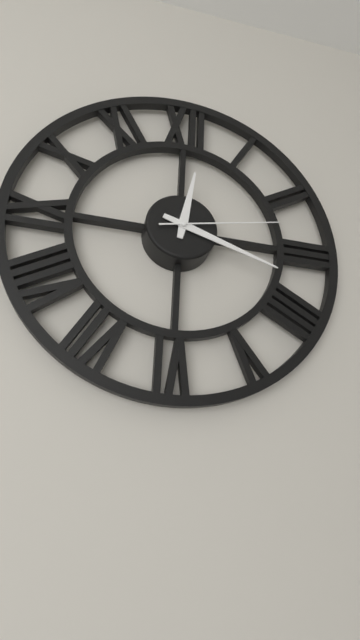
12 h 18 min 13 s
